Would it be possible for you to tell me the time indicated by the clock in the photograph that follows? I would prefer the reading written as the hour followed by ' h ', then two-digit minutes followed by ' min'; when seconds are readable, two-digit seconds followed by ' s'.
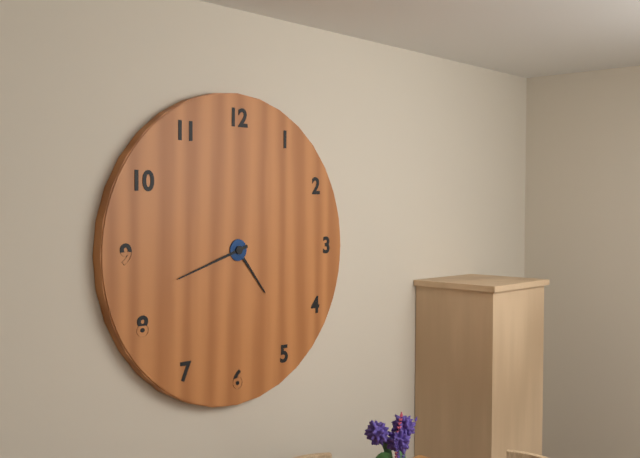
4 h 42 min
